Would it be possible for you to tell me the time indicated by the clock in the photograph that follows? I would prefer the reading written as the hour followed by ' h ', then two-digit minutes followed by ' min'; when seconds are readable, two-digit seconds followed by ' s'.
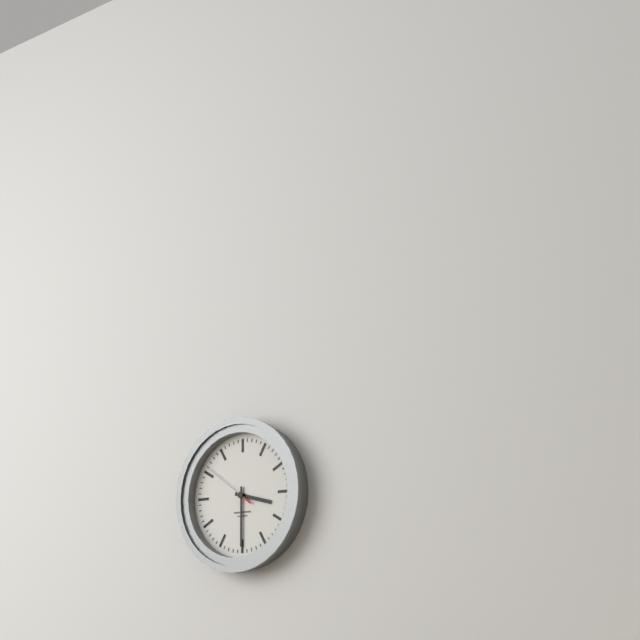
3 h 30 min 51 s
